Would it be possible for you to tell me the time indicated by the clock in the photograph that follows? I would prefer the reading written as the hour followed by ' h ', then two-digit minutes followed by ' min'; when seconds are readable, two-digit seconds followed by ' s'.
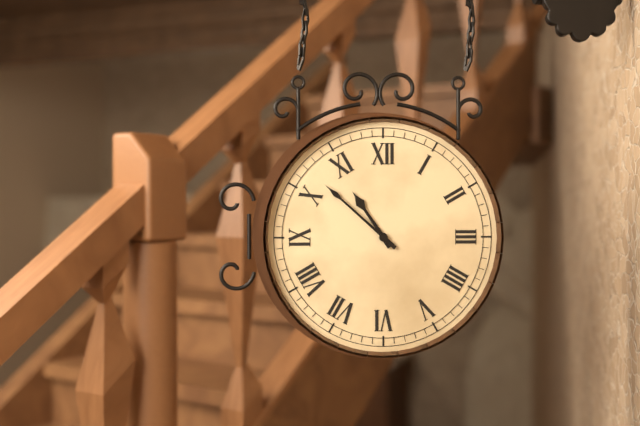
10 h 52 min
